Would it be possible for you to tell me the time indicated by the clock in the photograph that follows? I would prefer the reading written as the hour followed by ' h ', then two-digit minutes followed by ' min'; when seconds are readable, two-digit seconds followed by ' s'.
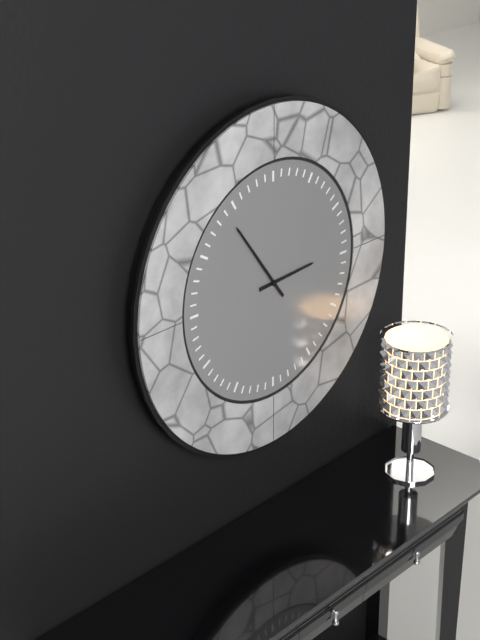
2 h 54 min
